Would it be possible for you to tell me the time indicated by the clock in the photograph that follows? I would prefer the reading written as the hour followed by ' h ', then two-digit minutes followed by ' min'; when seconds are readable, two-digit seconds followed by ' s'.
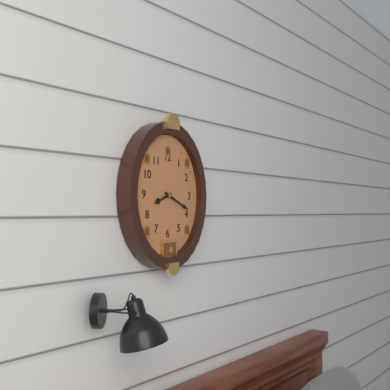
8 h 19 min
